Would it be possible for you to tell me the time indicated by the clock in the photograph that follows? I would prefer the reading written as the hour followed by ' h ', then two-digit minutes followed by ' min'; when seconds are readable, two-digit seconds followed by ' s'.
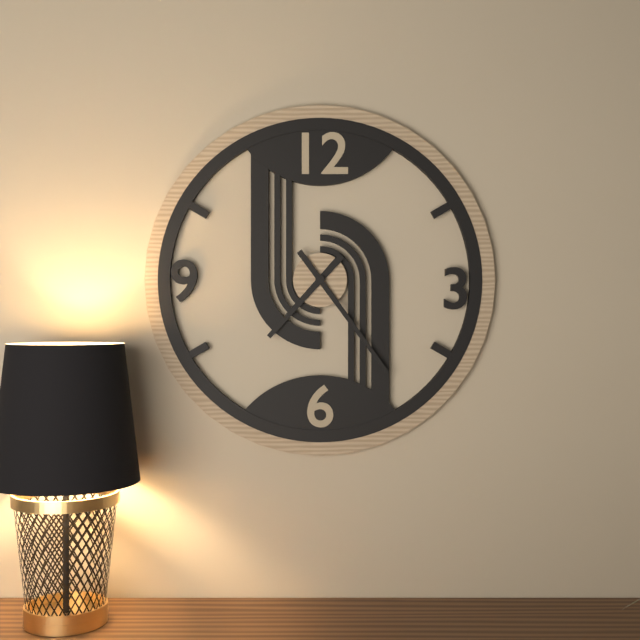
7 h 24 min
